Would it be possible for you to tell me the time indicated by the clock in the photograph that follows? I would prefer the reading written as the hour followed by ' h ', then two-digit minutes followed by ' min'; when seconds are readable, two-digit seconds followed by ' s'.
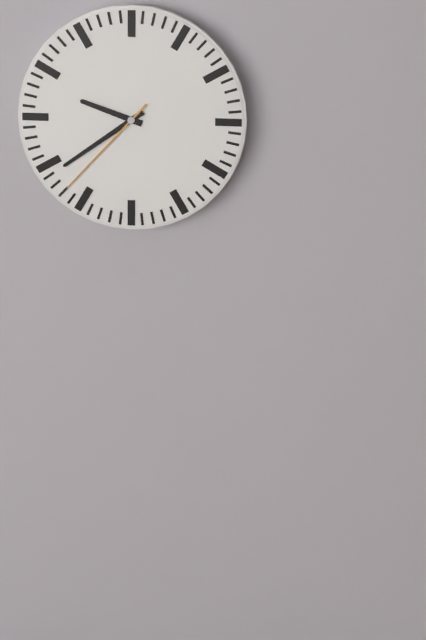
9 h 39 min 37 s
